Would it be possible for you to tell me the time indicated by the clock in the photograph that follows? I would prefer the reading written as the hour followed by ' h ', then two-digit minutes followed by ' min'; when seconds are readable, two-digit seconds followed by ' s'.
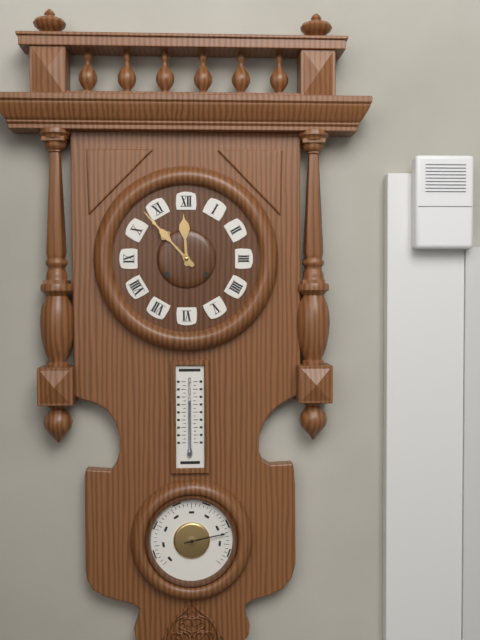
11 h 53 min
